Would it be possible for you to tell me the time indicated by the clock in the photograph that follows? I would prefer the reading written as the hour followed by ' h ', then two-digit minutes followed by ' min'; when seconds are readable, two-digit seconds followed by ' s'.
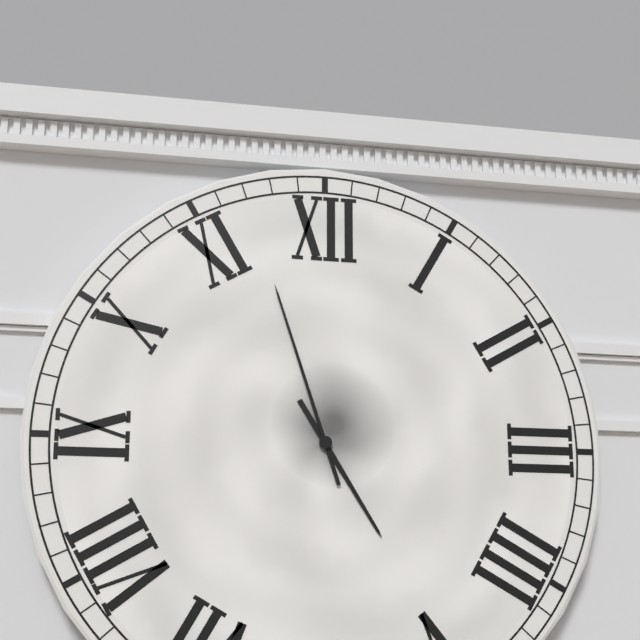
4 h 57 min
